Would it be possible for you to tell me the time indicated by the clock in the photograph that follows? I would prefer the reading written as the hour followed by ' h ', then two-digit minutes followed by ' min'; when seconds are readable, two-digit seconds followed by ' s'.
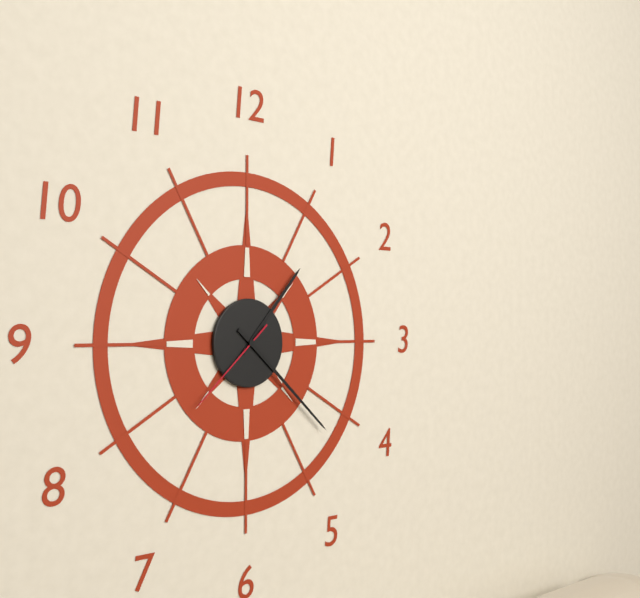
1 h 22 min 38 s
